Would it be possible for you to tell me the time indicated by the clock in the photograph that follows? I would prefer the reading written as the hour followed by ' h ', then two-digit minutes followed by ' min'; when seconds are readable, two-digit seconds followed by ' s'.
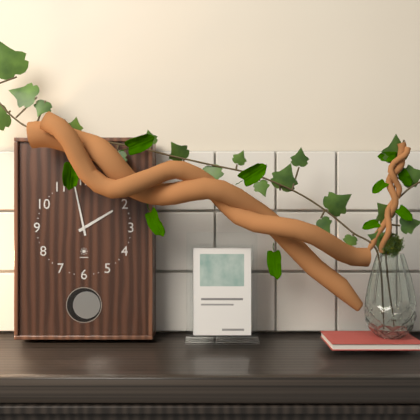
1 h 58 min
